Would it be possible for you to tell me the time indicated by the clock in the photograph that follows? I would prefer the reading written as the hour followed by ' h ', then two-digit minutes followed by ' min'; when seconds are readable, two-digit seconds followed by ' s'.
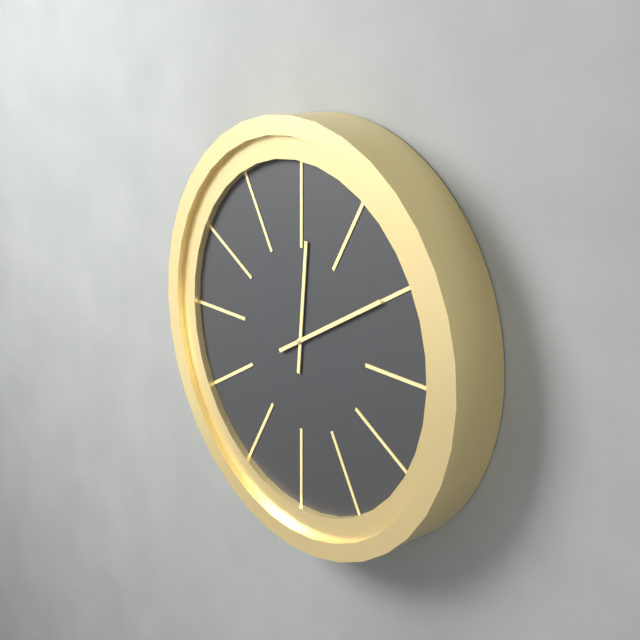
12 h 10 min
